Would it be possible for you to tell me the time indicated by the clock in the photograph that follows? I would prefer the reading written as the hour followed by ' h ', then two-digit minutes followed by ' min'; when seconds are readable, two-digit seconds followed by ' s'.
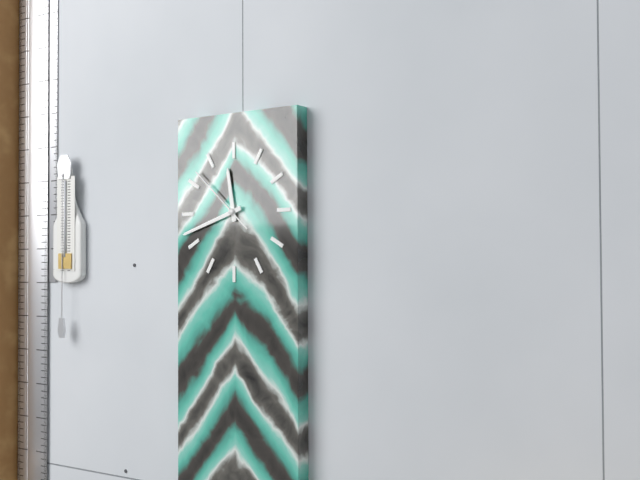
11 h 42 min 52 s
